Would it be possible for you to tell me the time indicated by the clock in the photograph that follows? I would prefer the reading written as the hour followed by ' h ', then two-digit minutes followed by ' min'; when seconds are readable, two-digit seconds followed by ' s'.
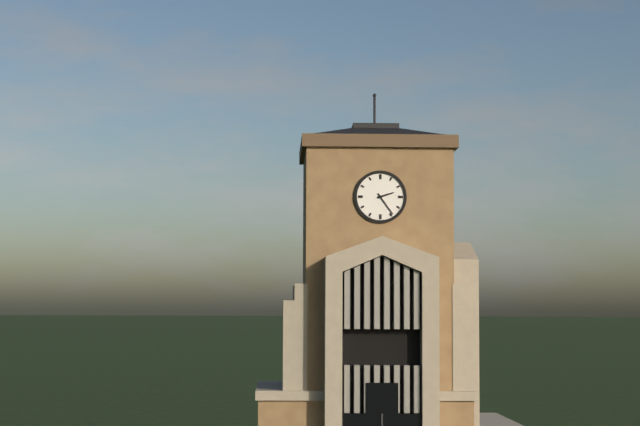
2 h 24 min
